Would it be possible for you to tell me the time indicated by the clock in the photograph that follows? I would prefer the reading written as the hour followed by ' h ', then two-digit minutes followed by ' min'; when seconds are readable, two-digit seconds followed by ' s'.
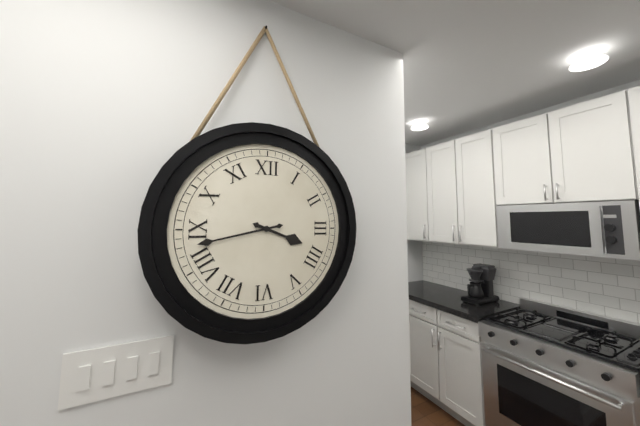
3 h 43 min
